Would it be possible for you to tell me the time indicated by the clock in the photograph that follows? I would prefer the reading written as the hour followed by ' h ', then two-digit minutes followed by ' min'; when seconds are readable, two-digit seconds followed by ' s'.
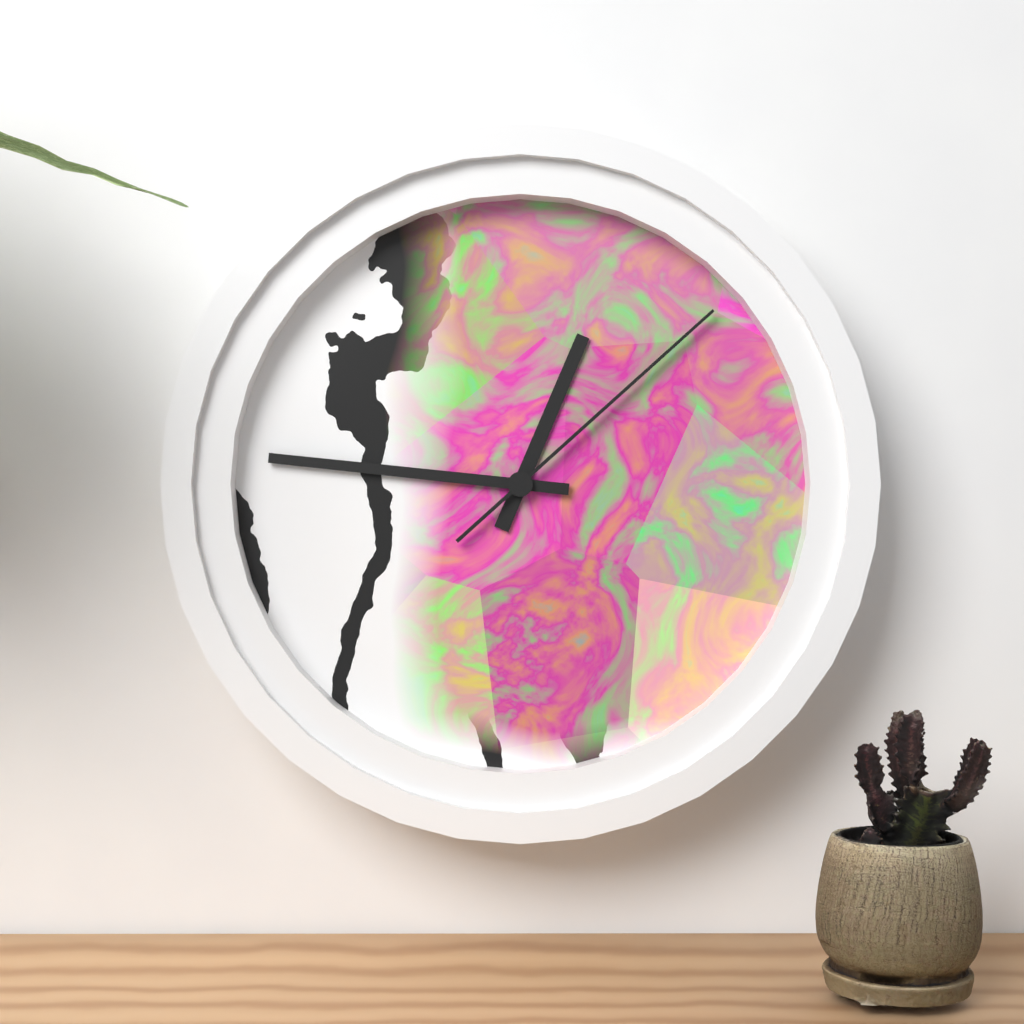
12 h 46 min 08 s
